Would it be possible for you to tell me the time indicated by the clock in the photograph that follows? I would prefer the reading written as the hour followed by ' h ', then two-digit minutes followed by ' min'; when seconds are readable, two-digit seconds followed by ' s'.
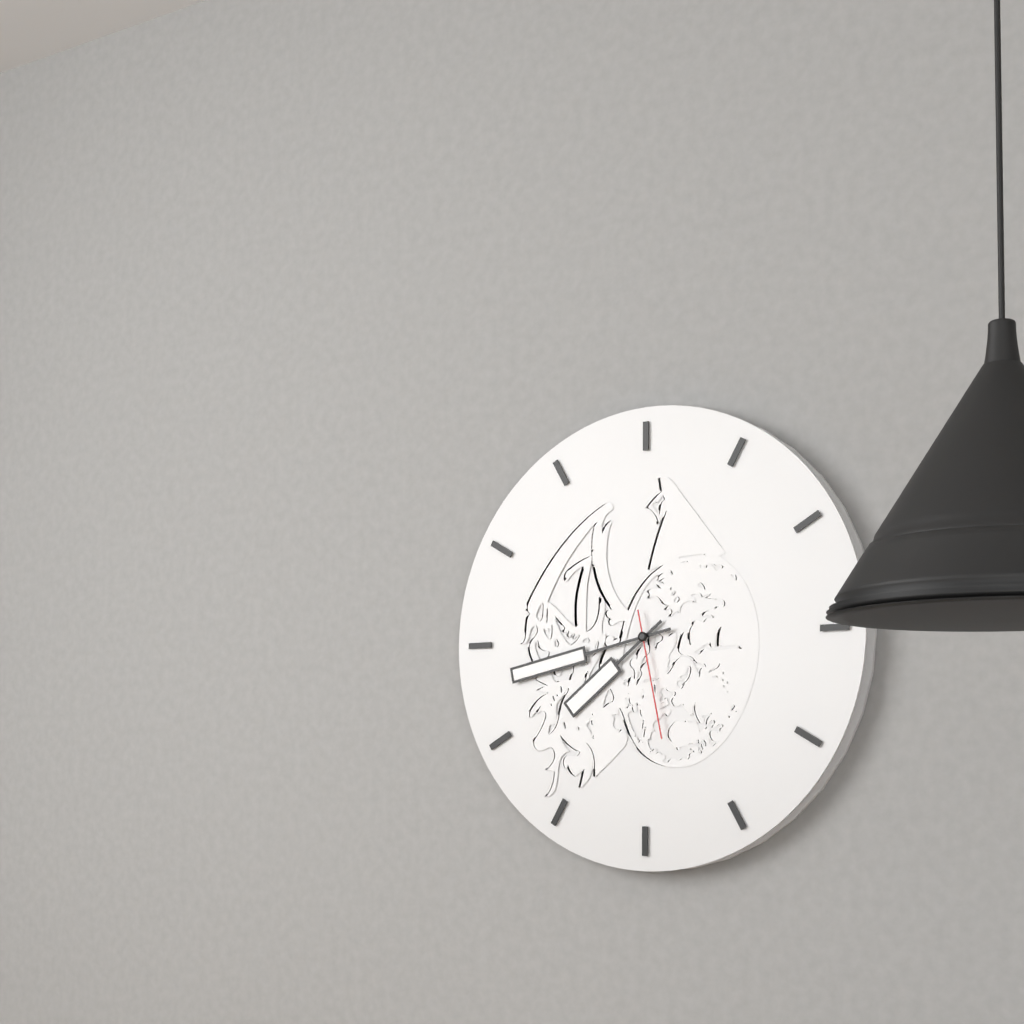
7 h 43 min 28 s
